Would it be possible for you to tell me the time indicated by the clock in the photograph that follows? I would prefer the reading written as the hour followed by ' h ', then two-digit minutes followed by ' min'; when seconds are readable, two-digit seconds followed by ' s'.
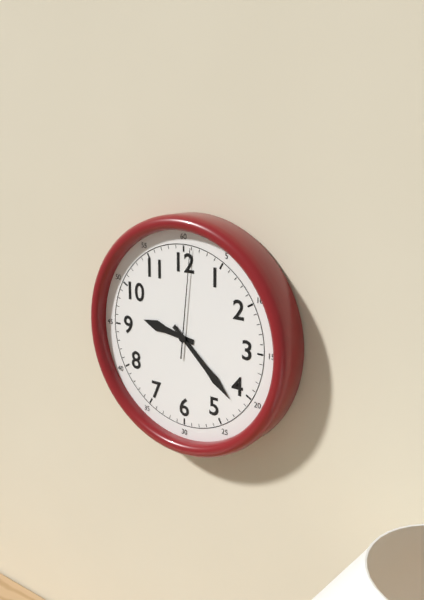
9 h 22 min 01 s
